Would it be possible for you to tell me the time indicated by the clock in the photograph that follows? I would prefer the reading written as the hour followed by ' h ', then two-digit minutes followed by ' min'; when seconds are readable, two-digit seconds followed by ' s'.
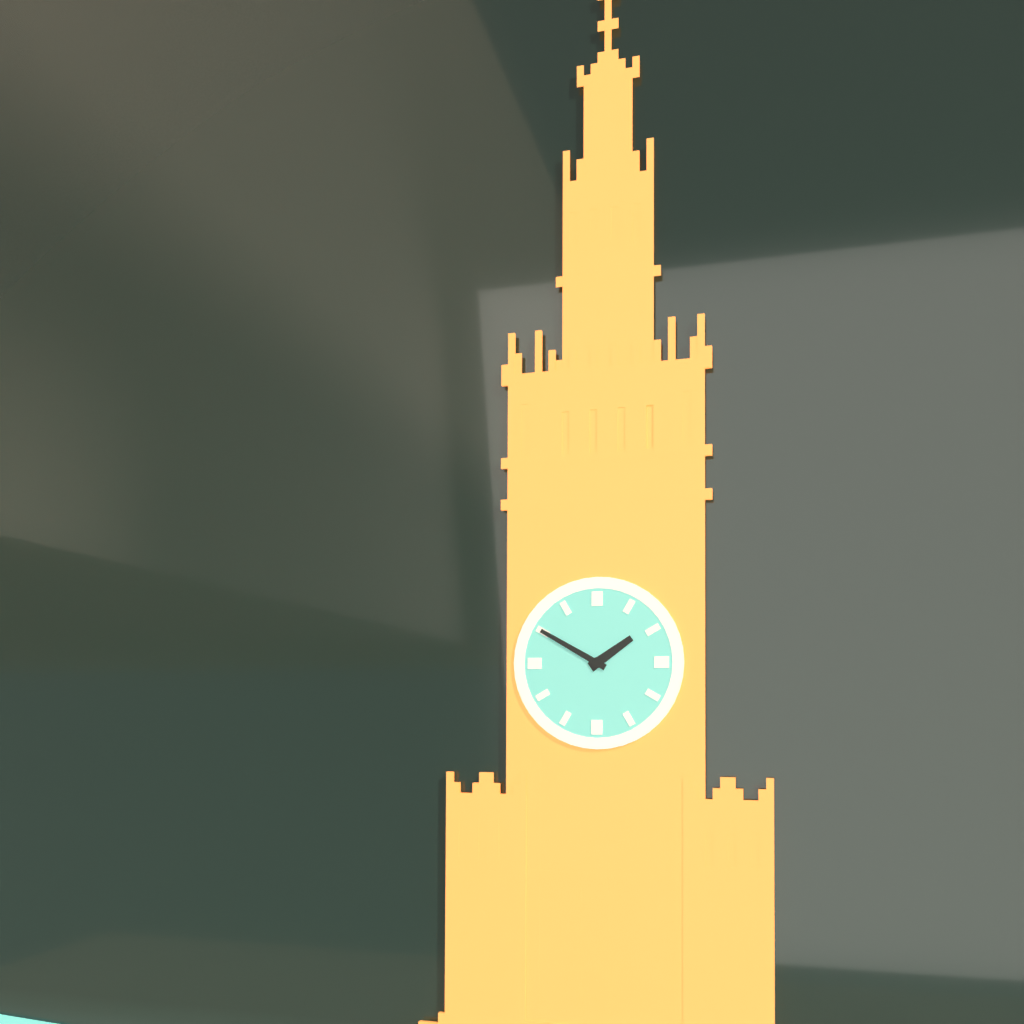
1 h 50 min
